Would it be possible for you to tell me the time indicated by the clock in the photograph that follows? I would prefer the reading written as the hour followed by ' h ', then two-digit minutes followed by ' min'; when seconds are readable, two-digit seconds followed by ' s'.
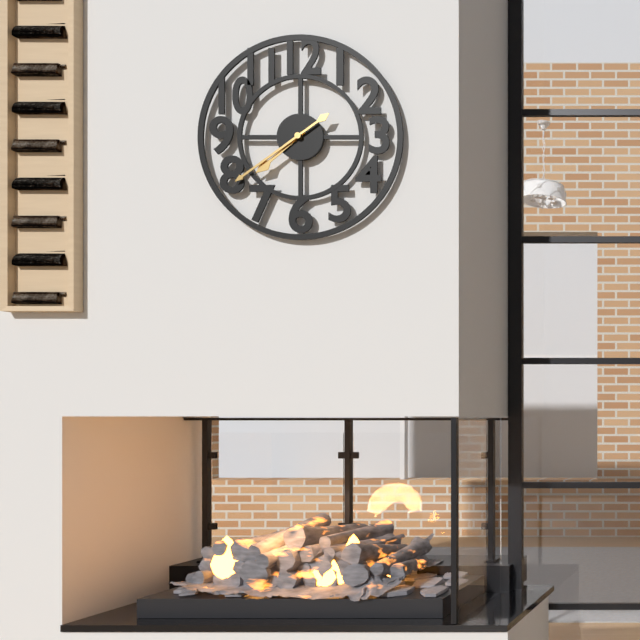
7 h 39 min
